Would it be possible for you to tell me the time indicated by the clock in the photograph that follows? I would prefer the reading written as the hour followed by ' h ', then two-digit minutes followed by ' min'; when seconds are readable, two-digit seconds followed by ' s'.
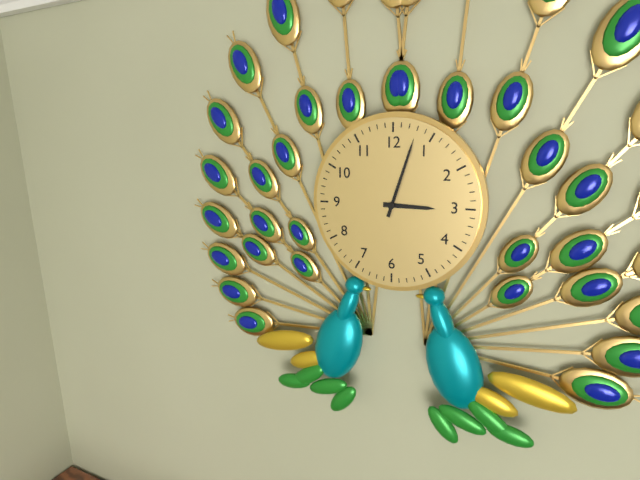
3 h 03 min
